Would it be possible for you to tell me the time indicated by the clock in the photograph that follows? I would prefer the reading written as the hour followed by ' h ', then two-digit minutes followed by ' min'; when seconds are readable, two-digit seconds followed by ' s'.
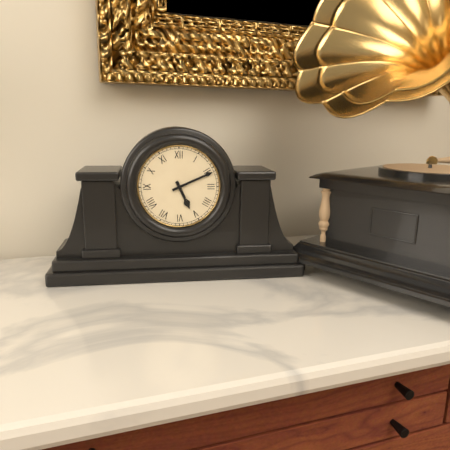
5 h 11 min
